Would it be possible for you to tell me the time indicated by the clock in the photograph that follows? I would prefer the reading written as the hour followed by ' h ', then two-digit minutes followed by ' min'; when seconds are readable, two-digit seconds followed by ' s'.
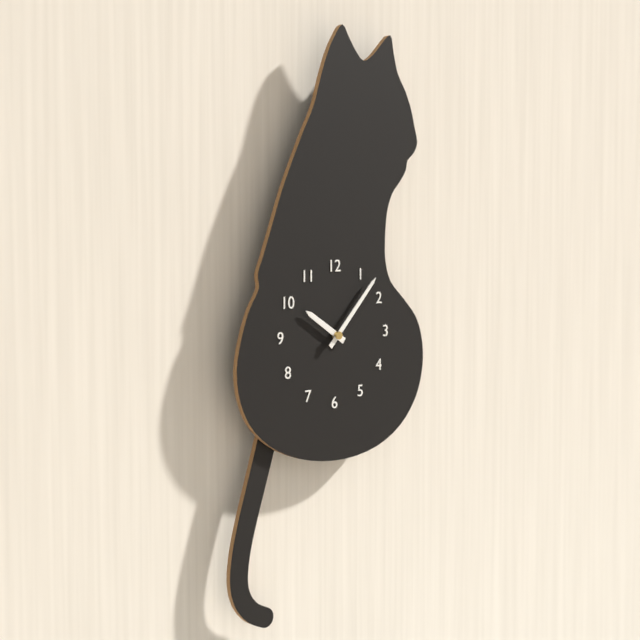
10 h 07 min
